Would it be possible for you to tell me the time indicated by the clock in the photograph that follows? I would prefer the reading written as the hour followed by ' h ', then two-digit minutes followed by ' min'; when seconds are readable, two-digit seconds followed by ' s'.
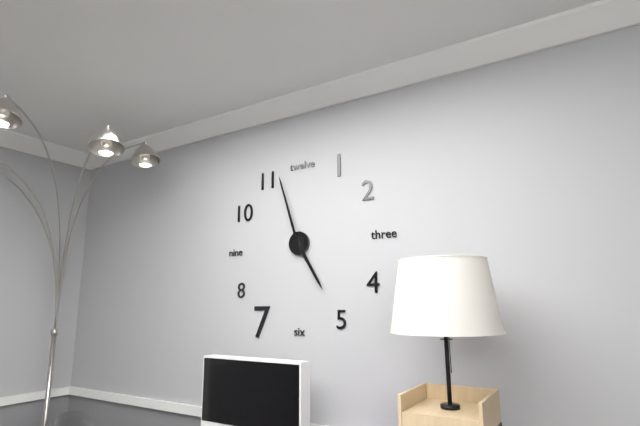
4 h 57 min
